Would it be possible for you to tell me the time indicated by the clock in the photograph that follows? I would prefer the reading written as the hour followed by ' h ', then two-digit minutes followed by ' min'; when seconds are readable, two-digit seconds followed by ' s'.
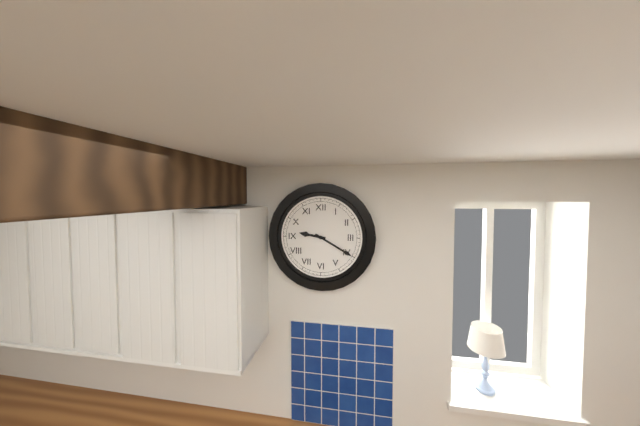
9 h 20 min
